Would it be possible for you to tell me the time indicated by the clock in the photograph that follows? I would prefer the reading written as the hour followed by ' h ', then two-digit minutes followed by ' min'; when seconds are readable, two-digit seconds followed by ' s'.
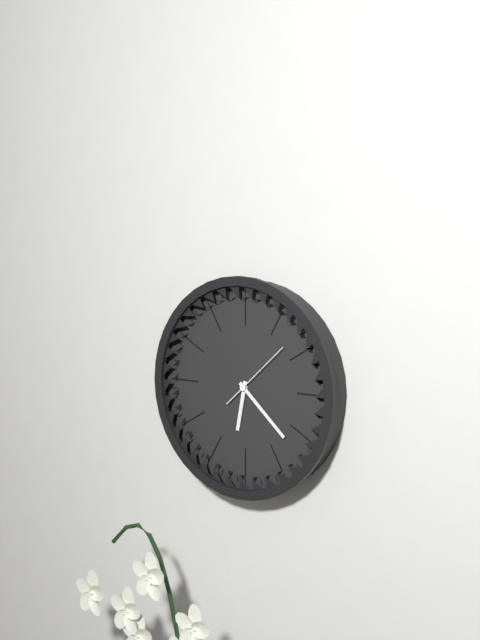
6 h 22 min 08 s
